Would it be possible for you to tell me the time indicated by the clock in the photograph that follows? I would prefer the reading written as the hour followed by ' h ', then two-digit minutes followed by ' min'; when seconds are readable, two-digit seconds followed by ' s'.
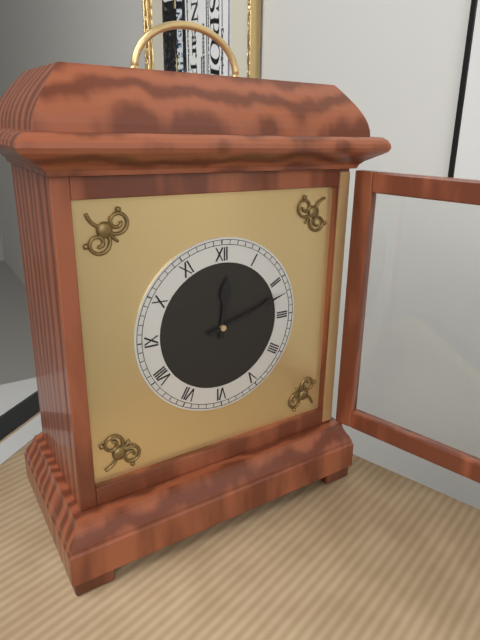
12 h 12 min
